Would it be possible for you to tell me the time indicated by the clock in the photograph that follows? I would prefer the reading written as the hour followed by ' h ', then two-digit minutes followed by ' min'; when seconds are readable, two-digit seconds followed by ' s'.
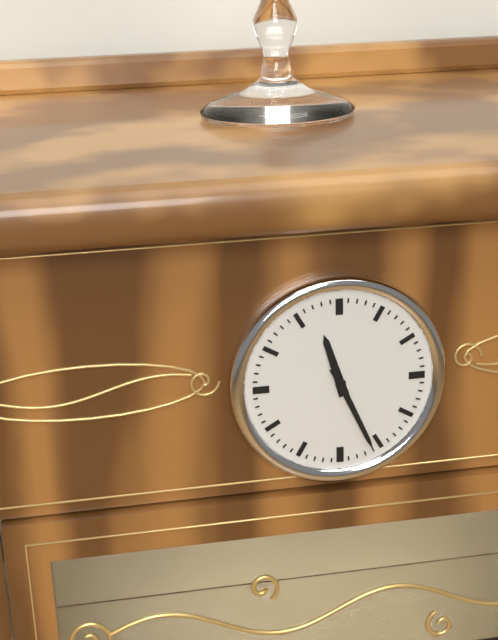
11 h 26 min
